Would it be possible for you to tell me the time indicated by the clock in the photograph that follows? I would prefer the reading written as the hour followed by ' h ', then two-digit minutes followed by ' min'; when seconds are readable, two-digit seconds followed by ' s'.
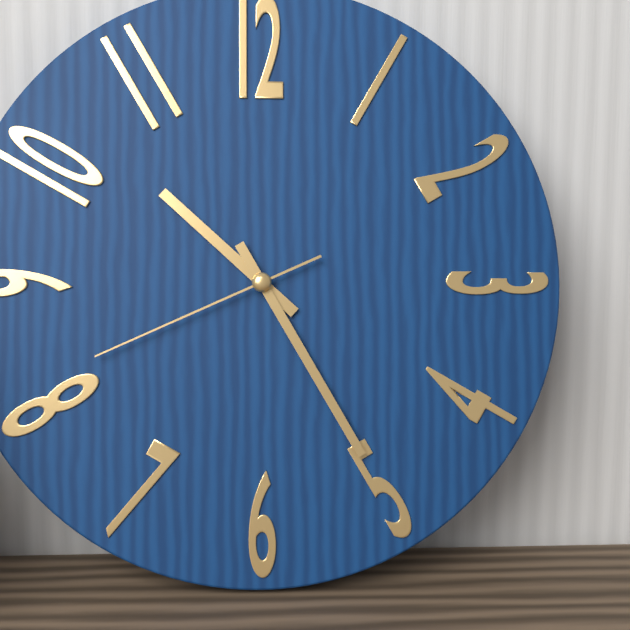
10 h 25 min 41 s
